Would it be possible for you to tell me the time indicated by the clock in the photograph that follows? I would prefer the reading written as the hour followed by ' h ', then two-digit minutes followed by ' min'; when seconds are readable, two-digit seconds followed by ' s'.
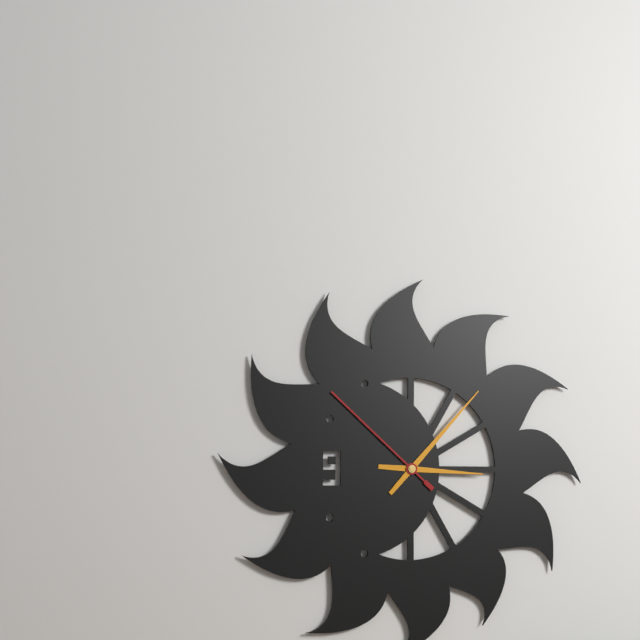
3 h 07 min 52 s
